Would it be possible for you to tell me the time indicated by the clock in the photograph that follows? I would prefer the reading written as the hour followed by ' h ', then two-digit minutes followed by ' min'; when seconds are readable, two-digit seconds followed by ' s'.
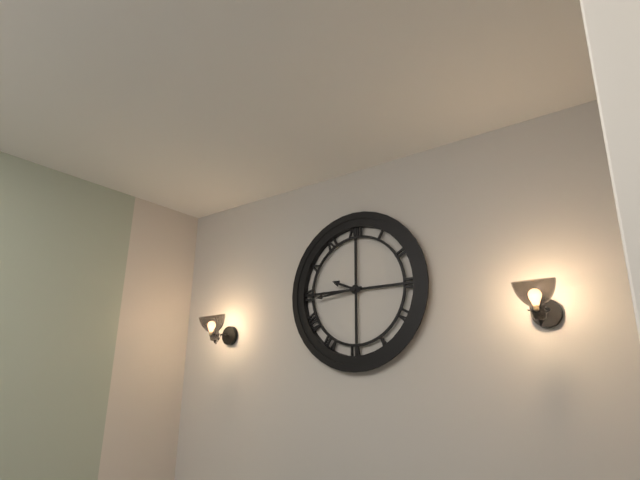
9 h 44 min
